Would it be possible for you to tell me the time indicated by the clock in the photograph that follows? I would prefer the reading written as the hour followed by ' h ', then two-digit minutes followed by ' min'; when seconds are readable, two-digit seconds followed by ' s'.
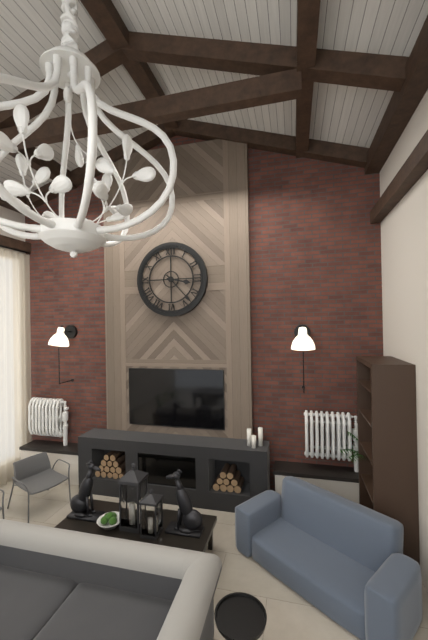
3 h 23 min
